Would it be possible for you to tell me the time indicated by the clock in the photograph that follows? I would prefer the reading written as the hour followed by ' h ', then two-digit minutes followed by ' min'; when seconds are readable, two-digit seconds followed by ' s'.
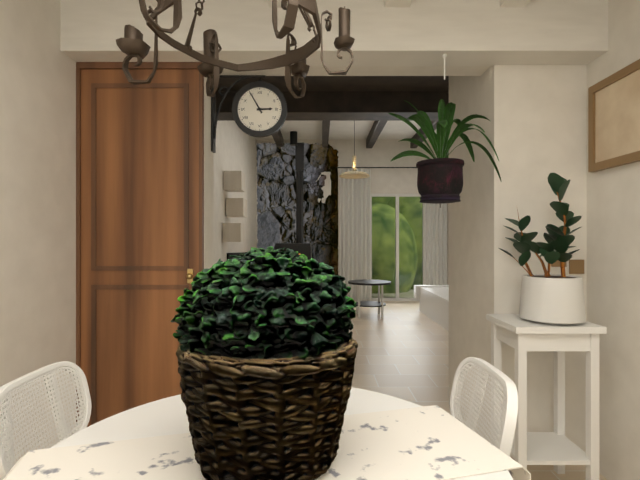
2 h 55 min
